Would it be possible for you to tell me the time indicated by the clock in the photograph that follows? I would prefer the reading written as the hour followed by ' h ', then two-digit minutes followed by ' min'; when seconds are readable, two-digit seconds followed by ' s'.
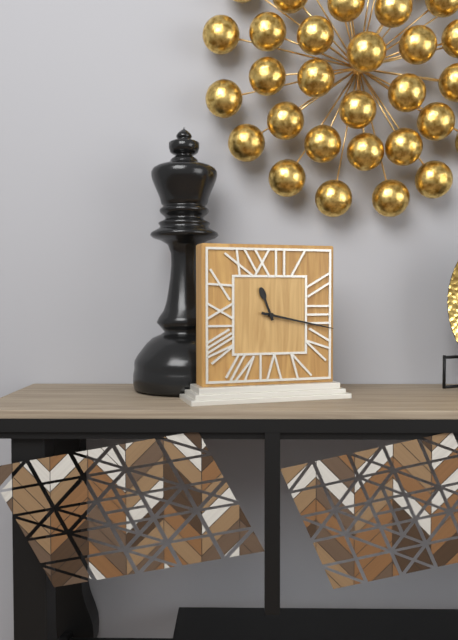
11 h 17 min
